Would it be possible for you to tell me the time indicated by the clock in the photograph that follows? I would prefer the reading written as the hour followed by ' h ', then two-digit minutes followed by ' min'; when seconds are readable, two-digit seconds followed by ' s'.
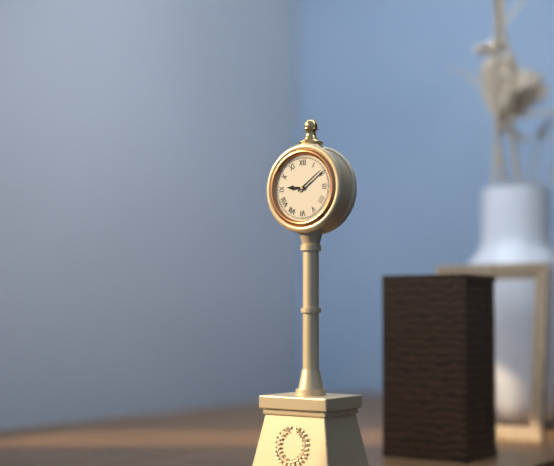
9 h 09 min
